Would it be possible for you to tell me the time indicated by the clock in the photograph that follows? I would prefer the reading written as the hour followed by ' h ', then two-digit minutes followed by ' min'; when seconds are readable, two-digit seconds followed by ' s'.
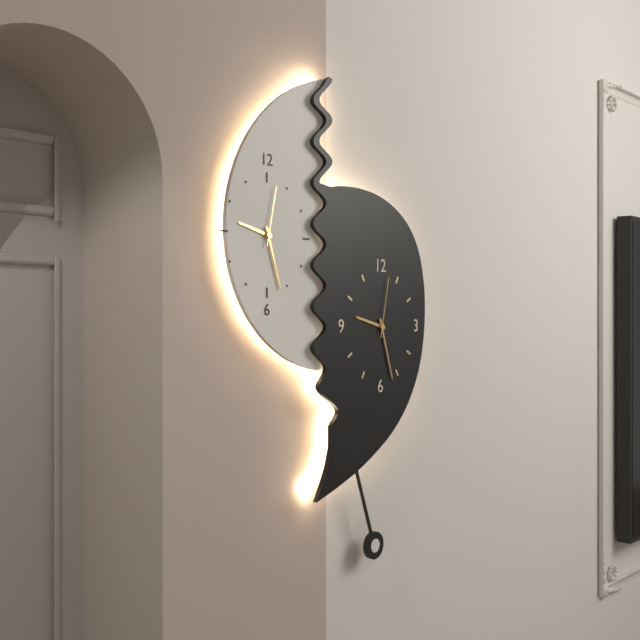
9 h 27 min 02 s
